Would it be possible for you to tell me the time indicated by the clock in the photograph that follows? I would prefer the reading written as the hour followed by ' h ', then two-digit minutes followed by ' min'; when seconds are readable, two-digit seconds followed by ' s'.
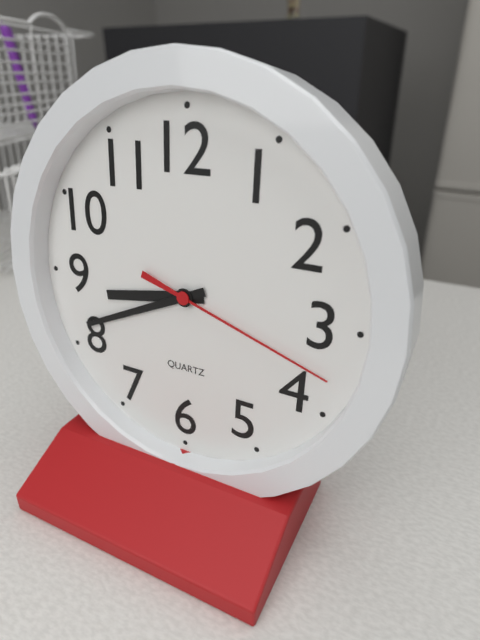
8 h 41 min 18 s
